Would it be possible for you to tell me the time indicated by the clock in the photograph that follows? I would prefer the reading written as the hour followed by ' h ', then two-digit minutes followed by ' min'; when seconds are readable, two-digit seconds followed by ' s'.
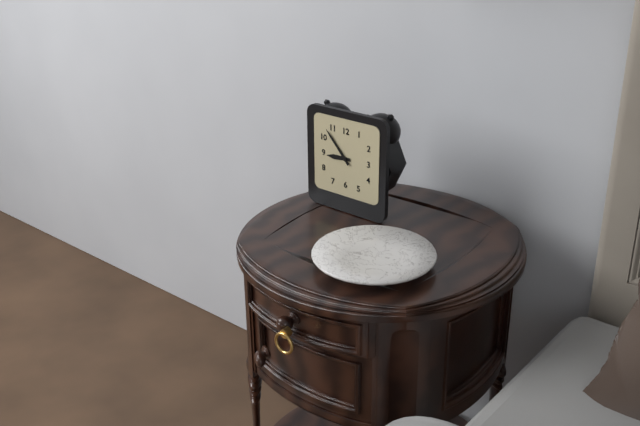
8 h 53 min
